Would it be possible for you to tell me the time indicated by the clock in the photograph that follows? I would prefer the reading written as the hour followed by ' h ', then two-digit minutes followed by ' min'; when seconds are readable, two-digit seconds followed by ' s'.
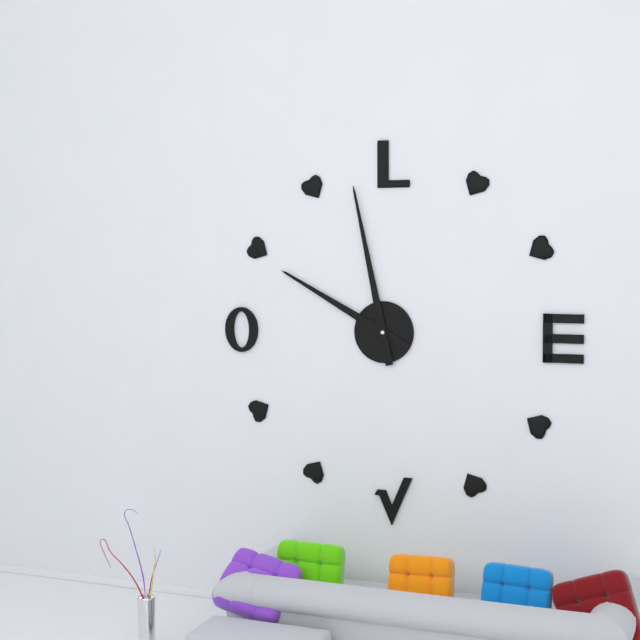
9 h 58 min
